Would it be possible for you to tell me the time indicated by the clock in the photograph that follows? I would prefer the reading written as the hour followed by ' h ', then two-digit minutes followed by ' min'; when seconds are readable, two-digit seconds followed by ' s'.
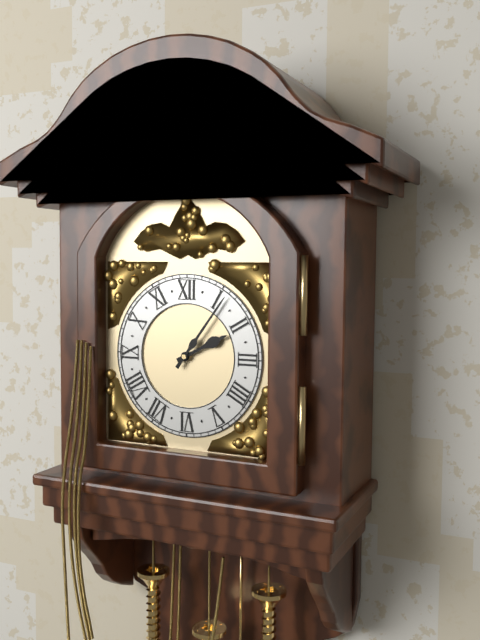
2 h 06 min
